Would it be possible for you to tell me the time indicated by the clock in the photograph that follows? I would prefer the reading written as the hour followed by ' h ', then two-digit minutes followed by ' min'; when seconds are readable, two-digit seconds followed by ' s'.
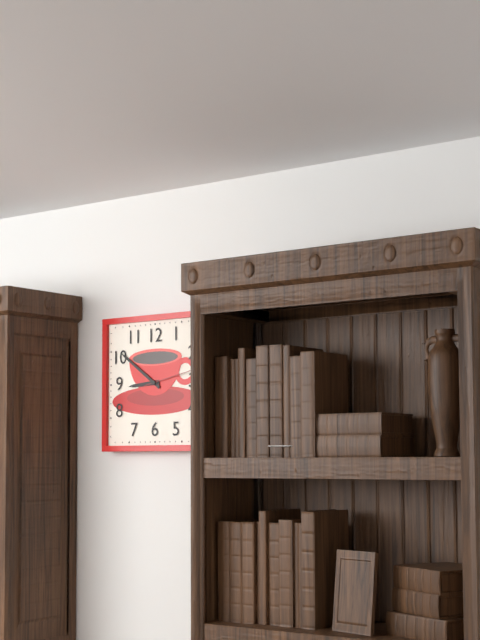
8 h 51 min 13 s
